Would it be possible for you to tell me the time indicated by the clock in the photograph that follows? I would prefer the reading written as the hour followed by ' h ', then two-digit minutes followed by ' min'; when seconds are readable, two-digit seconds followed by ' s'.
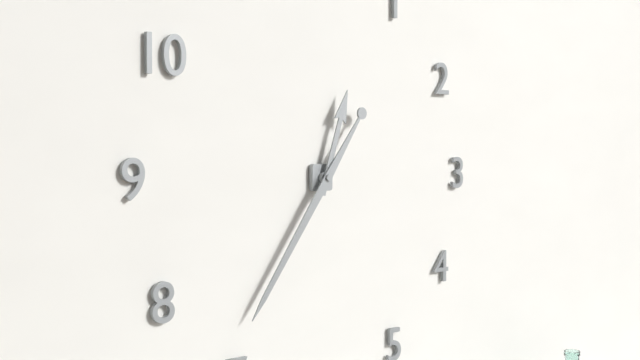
12 h 36 min
